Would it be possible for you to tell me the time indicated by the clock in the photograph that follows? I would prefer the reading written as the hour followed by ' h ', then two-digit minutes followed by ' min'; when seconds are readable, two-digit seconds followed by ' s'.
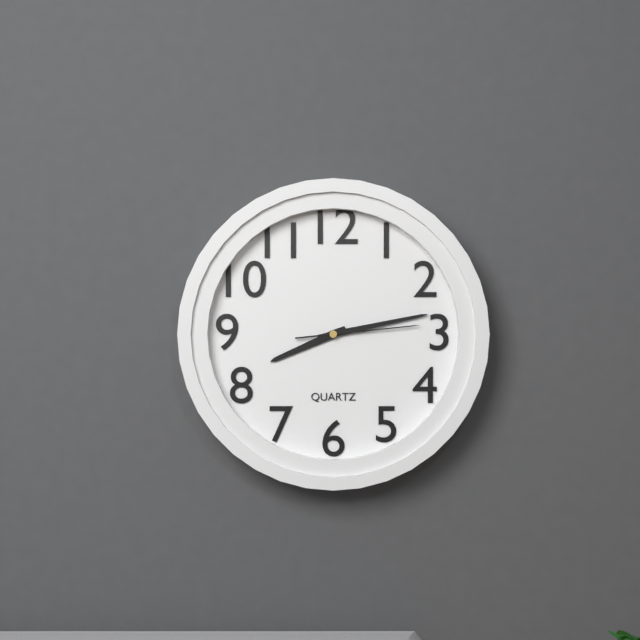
8 h 13 min 14 s
